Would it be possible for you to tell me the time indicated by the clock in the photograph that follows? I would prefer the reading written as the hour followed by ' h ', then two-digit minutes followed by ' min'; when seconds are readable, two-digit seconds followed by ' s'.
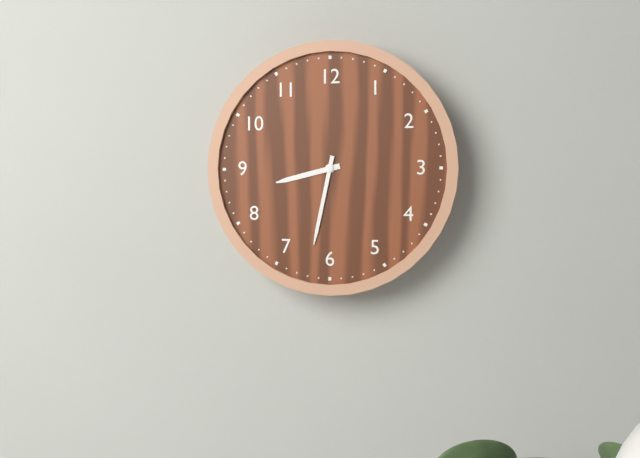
8 h 32 min
